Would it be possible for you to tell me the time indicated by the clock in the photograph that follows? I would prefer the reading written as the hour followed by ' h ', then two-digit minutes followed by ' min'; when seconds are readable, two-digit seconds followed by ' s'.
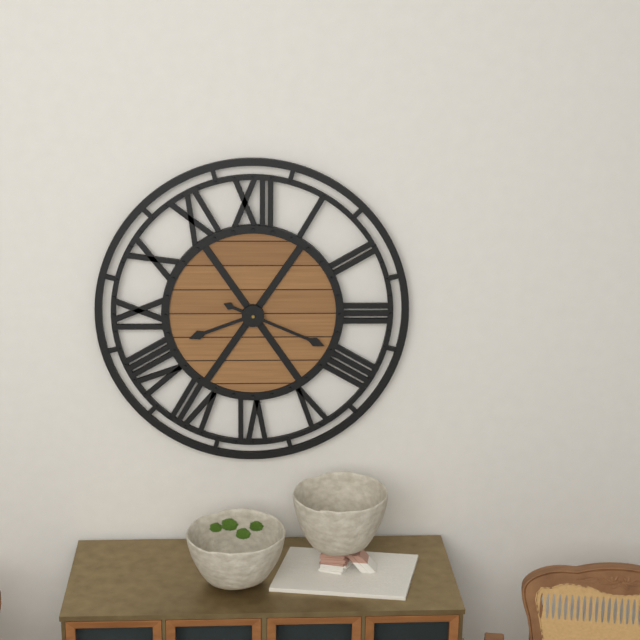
8 h 19 min
